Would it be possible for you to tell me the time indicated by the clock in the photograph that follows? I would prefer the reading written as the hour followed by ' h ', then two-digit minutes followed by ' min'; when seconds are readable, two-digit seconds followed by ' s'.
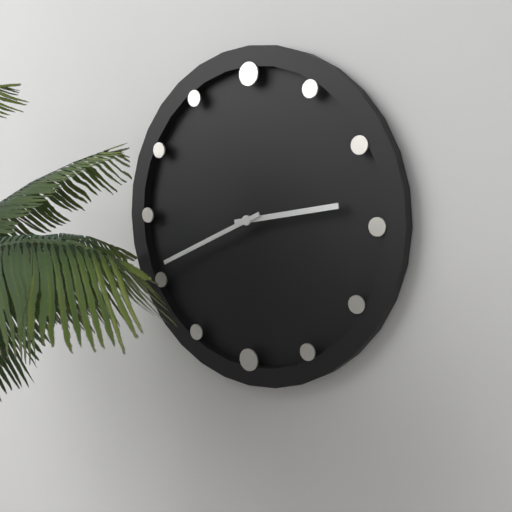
2 h 41 min
